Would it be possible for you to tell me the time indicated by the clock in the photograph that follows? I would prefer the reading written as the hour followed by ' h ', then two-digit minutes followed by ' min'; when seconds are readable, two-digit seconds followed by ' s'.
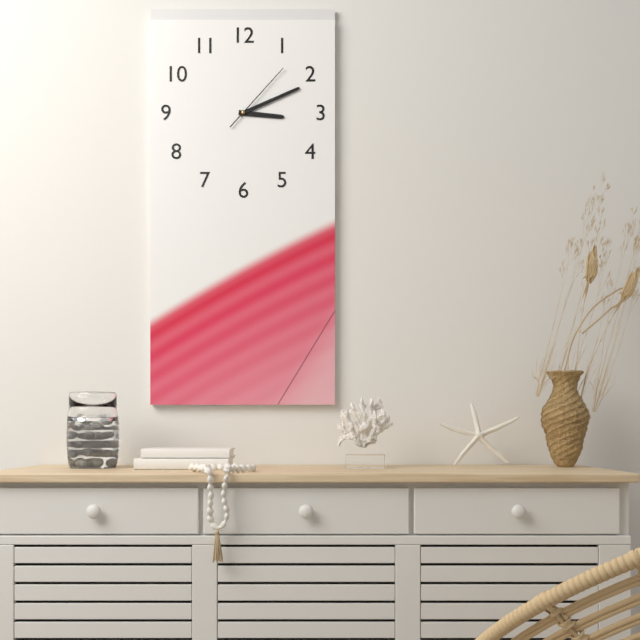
3 h 11 min 07 s
